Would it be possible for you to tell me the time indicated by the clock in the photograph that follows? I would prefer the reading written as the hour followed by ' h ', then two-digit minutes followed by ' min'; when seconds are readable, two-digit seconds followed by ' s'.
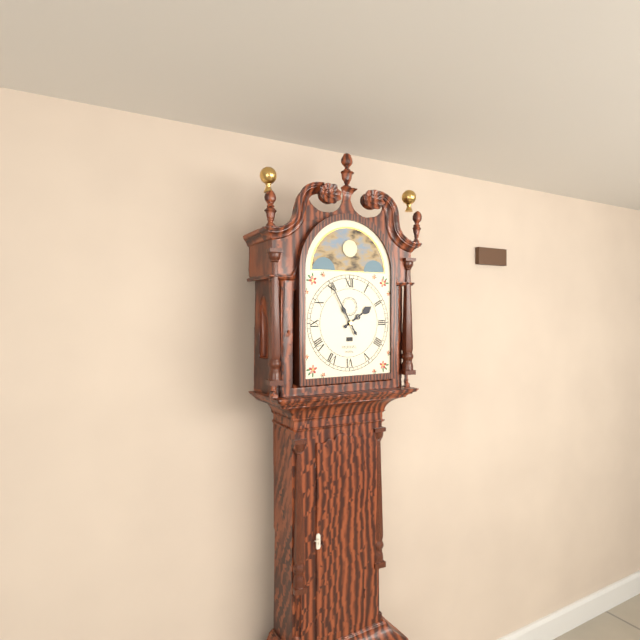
1 h 55 min
